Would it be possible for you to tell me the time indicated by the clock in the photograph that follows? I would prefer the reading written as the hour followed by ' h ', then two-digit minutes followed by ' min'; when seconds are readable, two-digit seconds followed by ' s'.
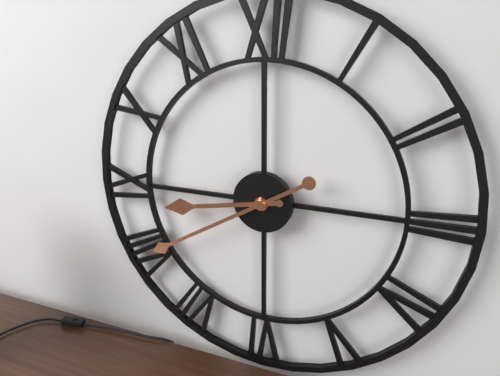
8 h 40 min
